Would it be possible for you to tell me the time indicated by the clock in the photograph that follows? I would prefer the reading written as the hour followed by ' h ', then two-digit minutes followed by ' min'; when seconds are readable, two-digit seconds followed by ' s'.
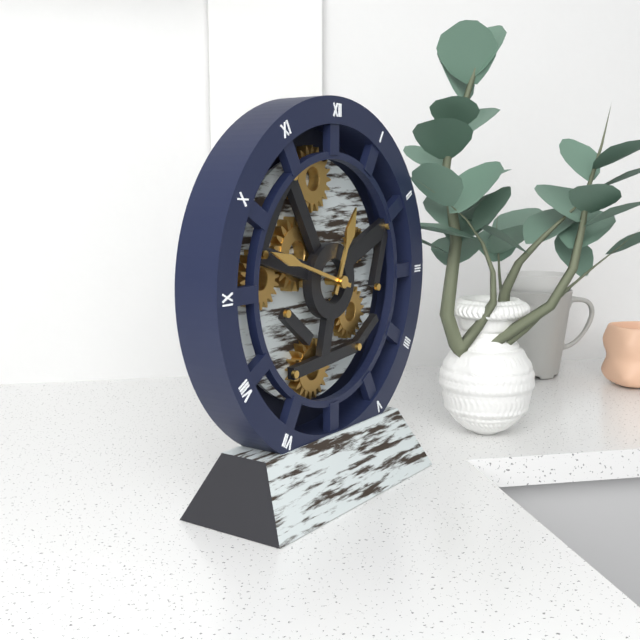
12 h 48 min
